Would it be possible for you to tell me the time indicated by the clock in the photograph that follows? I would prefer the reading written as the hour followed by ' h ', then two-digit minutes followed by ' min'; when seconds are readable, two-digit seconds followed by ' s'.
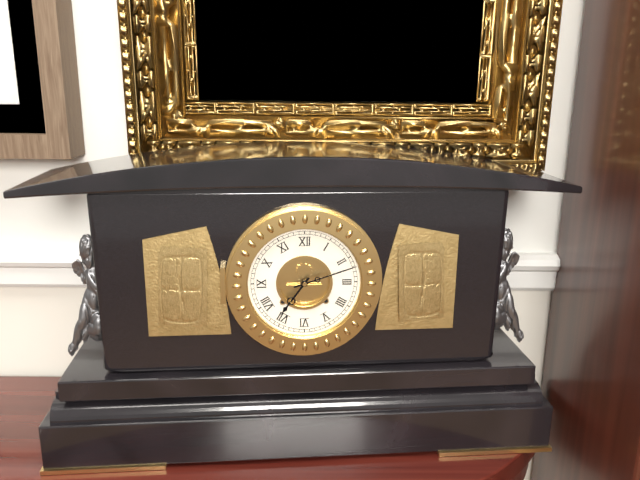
7 h 12 min
